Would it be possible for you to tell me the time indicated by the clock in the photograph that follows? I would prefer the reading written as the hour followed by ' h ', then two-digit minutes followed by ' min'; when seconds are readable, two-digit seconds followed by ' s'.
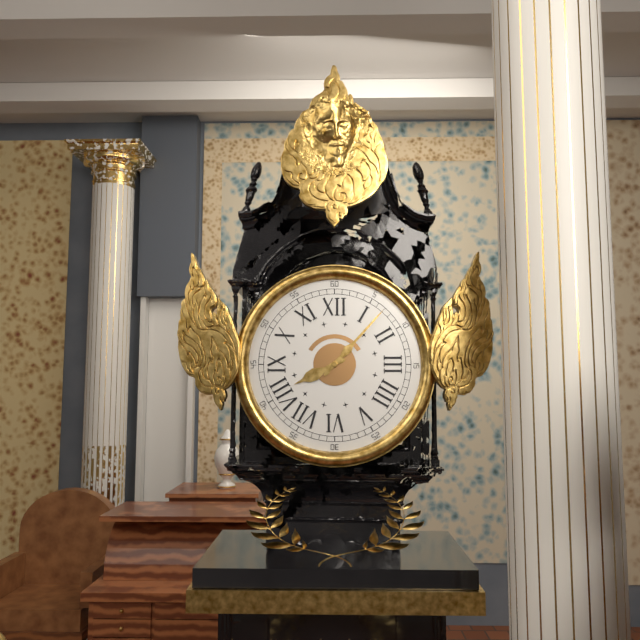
8 h 07 min
